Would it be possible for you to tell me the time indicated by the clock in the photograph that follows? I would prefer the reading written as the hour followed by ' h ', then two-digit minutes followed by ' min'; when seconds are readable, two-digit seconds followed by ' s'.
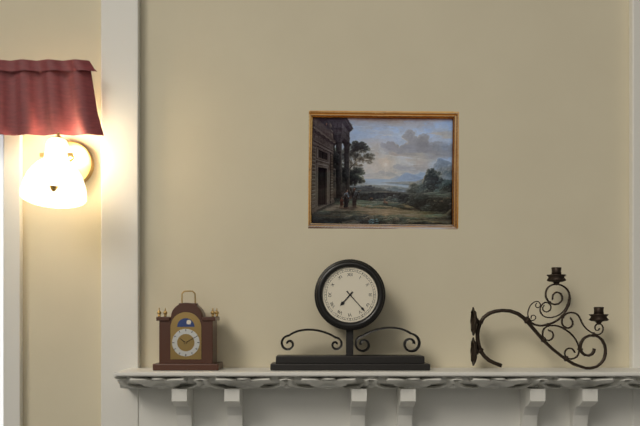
7 h 23 min
